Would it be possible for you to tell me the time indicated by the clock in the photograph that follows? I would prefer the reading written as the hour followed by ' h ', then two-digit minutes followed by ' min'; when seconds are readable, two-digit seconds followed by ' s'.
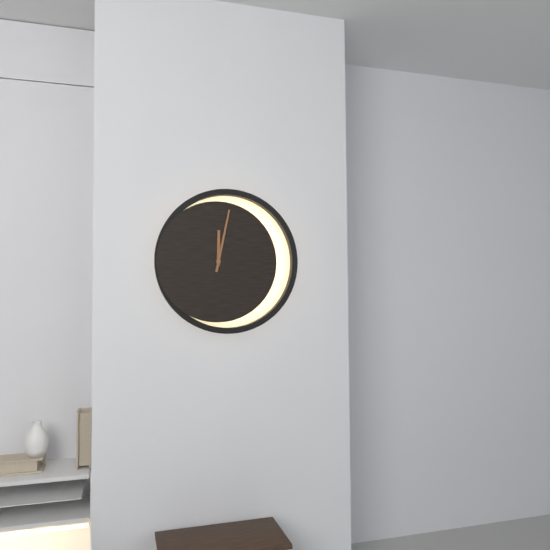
12 h 02 min
